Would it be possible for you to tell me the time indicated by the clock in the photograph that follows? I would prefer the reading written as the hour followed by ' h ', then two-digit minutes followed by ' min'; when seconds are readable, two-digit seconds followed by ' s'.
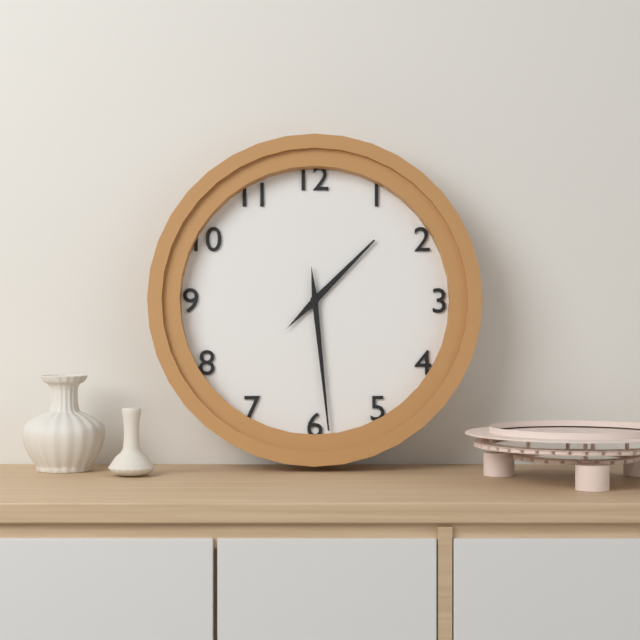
1 h 29 min
